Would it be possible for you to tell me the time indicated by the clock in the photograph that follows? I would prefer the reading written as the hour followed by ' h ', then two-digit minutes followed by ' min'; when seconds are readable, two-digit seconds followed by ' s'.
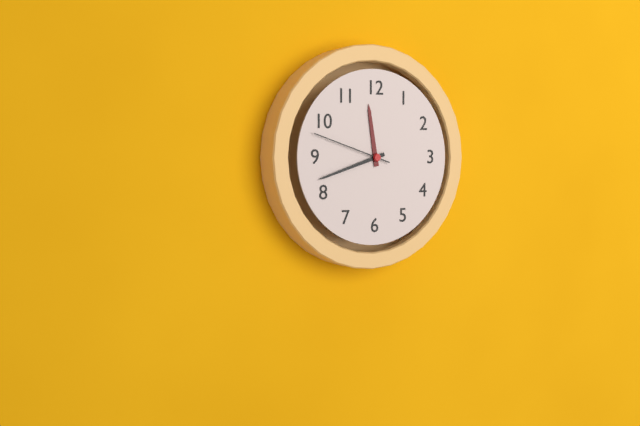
11 h 42 min 48 s
